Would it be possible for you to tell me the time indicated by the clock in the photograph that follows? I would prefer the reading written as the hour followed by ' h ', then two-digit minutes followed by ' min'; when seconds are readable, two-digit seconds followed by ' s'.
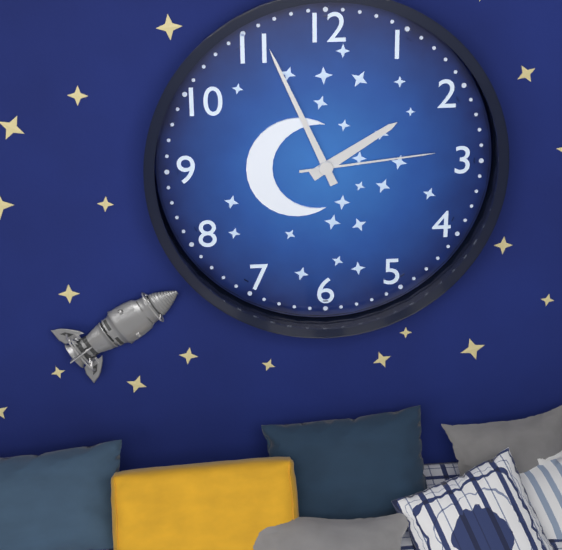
1 h 56 min 14 s
